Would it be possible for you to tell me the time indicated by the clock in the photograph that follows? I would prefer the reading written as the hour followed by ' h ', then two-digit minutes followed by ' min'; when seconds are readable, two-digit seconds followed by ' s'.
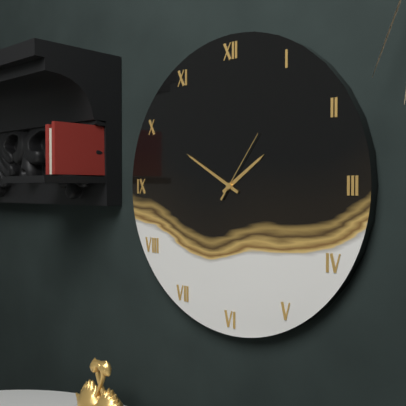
1 h 50 min 06 s
